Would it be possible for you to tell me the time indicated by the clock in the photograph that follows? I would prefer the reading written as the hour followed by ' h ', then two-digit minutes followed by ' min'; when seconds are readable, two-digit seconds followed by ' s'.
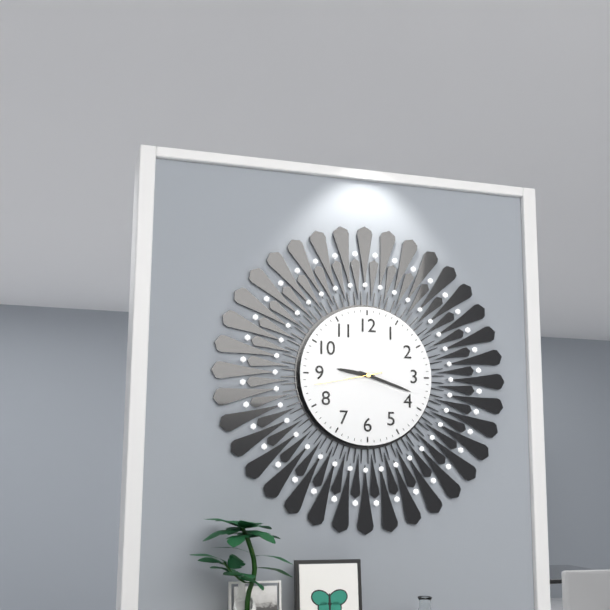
9 h 18 min 43 s
